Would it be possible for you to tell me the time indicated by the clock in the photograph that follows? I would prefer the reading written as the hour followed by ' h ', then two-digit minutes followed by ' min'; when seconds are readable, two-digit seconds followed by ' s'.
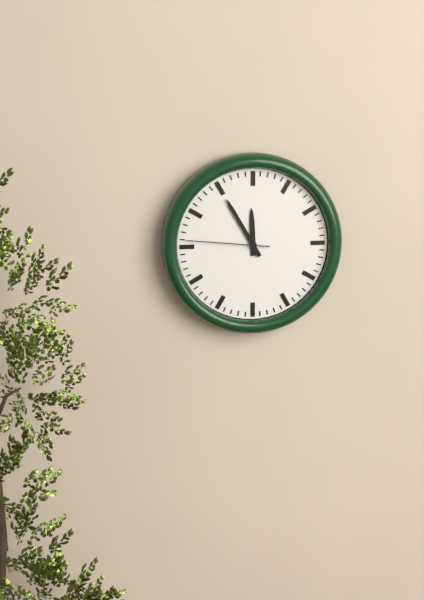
11 h 55 min 46 s
